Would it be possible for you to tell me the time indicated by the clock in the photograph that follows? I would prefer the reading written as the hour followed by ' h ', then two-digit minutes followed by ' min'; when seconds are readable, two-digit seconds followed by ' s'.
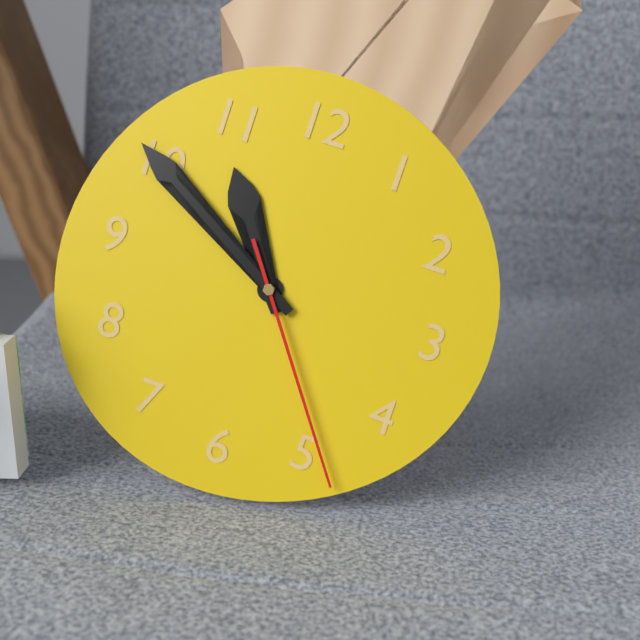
10 h 50 min 24 s
